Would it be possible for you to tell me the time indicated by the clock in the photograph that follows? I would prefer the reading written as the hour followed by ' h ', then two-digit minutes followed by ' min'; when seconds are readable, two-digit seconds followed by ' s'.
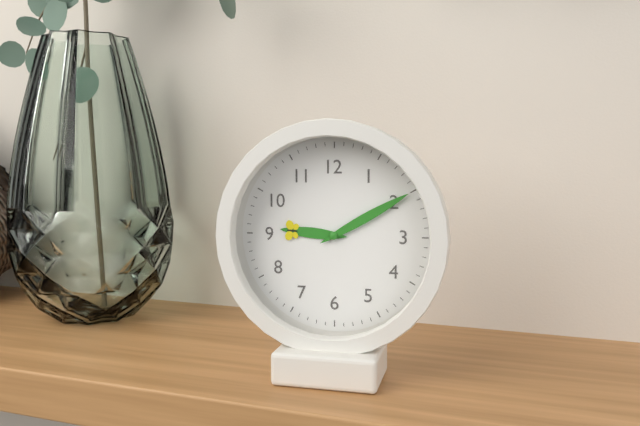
9 h 10 min
